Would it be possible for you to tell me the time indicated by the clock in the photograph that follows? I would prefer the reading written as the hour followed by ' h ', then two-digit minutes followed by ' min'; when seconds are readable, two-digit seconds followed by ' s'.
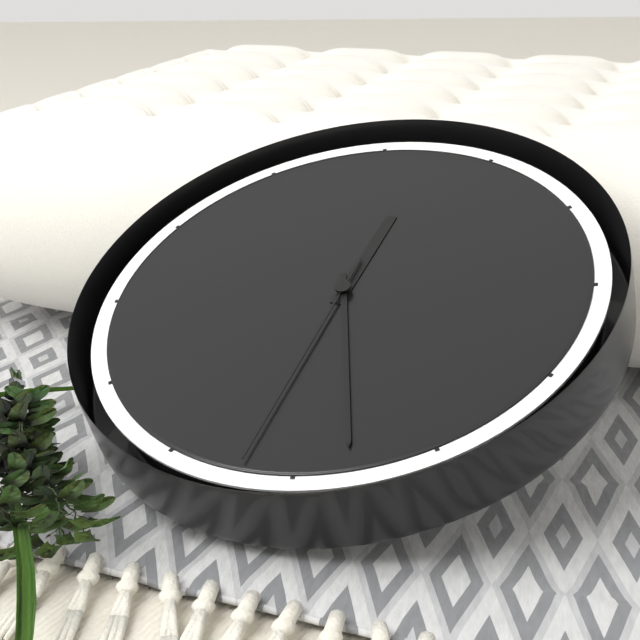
12 h 28 min 32 s
